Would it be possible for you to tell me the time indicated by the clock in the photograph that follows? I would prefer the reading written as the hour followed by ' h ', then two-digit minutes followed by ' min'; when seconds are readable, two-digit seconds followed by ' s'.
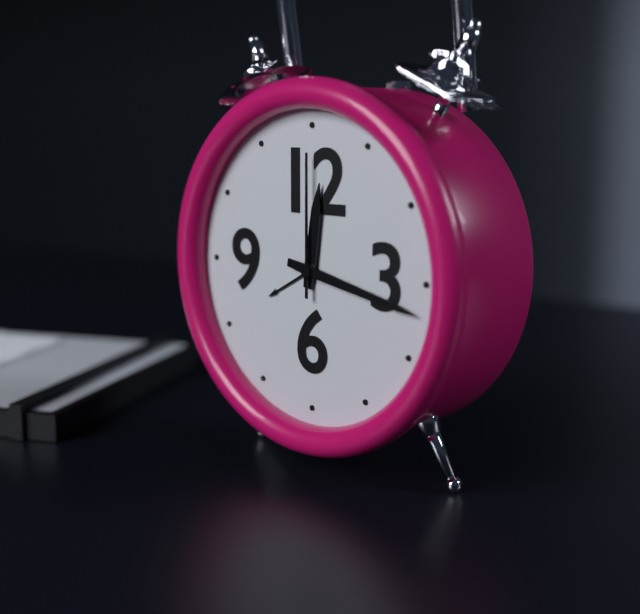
12 h 17 min 00 s
